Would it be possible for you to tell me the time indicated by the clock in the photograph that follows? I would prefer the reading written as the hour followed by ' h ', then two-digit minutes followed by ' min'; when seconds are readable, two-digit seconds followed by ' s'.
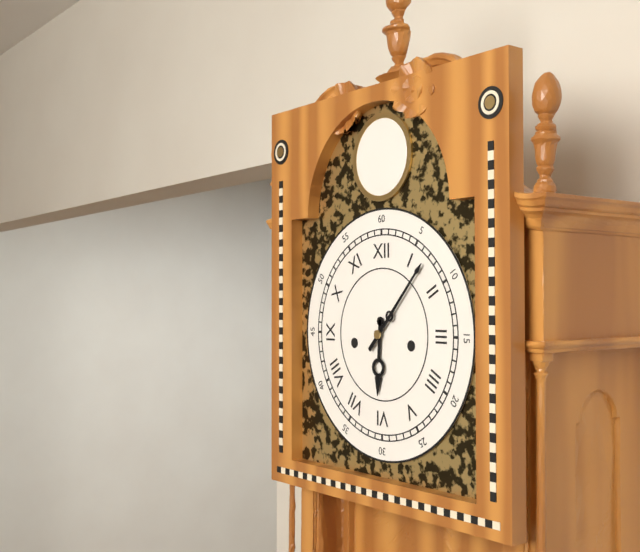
6 h 07 min
